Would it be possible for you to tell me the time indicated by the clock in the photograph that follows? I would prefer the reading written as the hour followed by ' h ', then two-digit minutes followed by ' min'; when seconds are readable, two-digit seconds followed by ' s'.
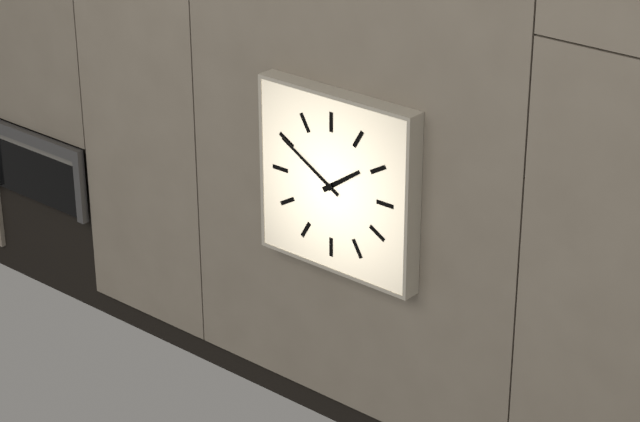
1 h 50 min
